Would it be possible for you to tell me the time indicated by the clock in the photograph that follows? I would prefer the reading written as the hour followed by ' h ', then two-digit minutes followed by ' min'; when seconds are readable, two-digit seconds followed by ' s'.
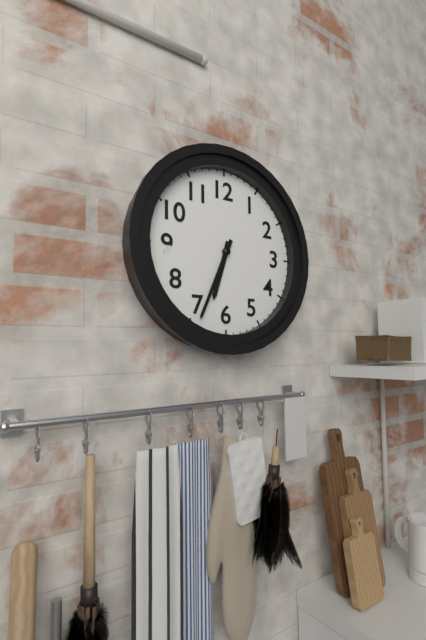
6 h 34 min
